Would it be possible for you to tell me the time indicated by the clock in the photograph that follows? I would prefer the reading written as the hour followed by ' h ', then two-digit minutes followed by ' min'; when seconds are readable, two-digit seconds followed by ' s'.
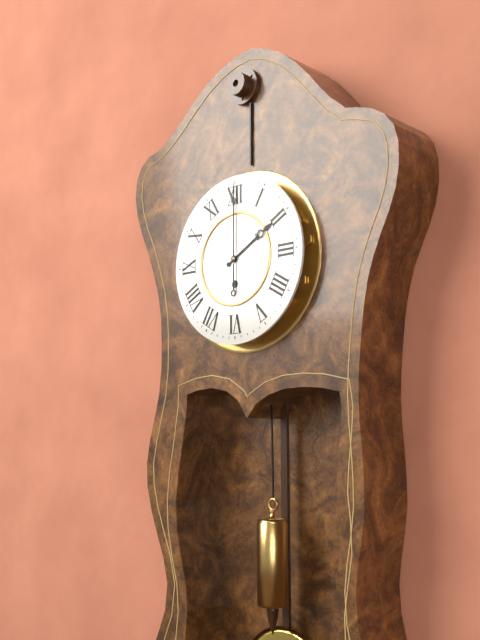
2 h 00 min
